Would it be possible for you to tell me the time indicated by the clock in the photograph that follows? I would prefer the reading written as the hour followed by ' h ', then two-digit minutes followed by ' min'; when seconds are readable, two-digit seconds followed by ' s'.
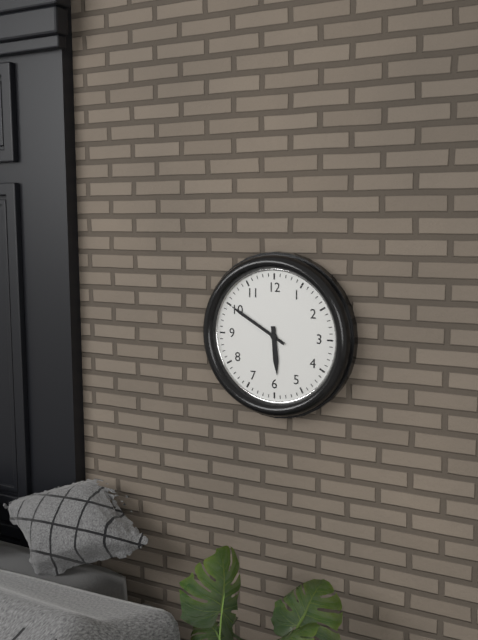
5 h 50 min
